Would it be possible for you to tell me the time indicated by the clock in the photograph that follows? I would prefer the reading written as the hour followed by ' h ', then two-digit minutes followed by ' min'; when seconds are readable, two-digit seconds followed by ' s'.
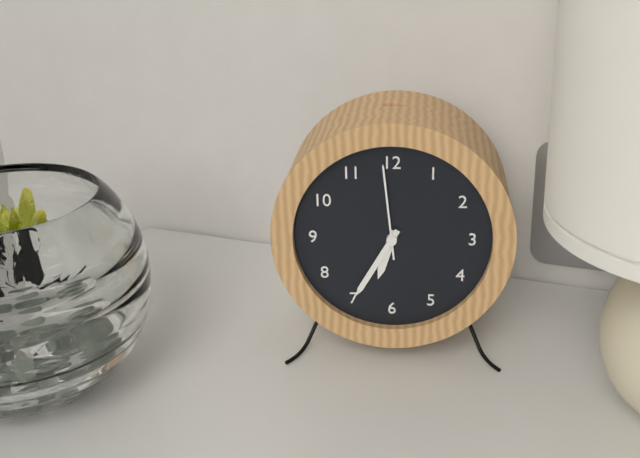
6 h 35 min 59 s
